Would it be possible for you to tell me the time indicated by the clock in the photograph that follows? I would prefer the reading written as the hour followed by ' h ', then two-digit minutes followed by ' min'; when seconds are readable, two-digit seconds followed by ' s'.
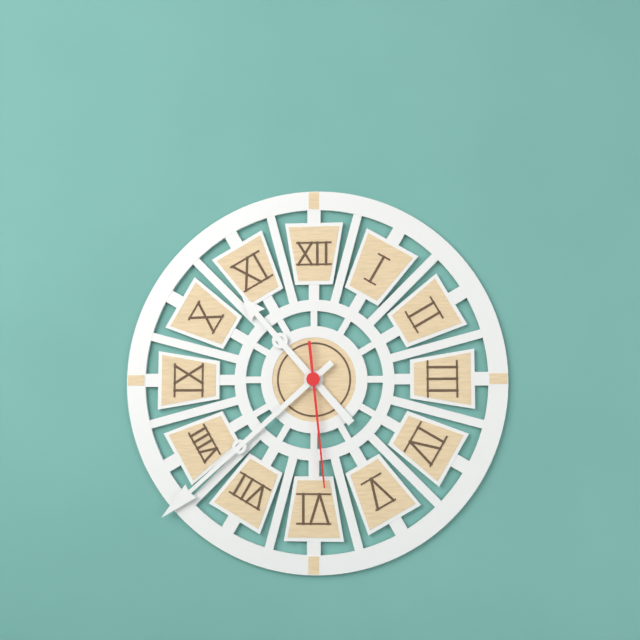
10 h 38 min 29 s
